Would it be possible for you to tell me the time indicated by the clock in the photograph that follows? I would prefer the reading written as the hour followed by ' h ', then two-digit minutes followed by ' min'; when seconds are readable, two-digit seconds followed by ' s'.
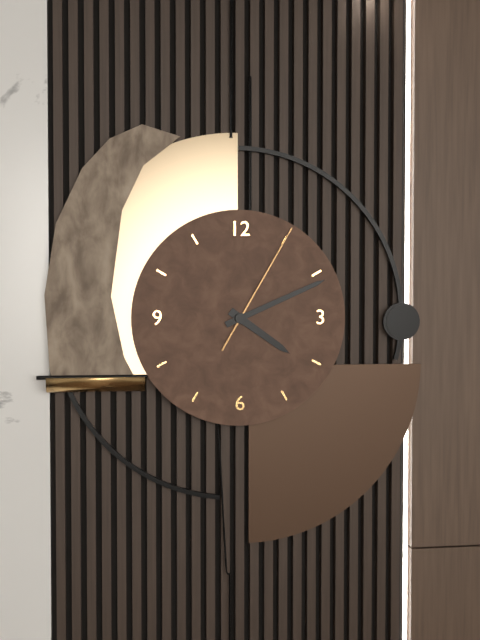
4 h 11 min 05 s
